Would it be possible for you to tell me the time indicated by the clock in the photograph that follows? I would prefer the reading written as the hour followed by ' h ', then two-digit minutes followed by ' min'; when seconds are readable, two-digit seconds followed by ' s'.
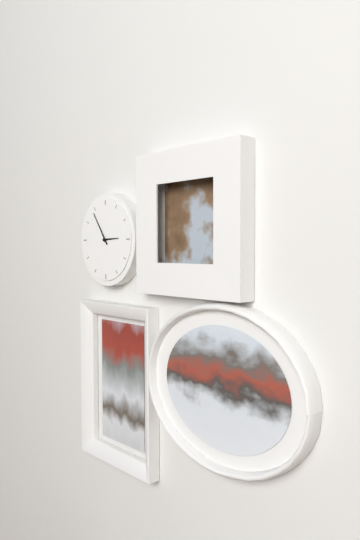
2 h 54 min
